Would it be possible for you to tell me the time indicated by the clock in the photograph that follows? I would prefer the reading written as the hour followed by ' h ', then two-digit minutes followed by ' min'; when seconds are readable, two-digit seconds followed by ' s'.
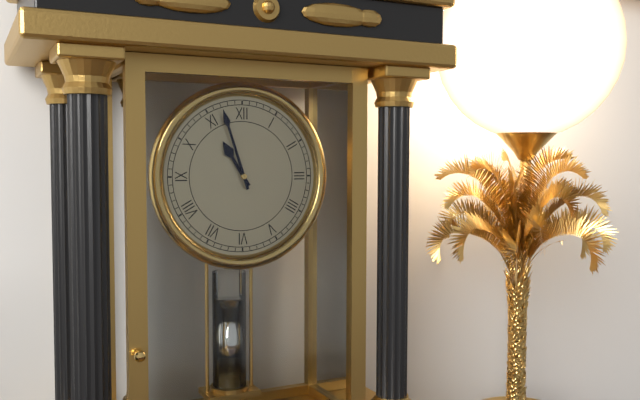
10 h 57 min
